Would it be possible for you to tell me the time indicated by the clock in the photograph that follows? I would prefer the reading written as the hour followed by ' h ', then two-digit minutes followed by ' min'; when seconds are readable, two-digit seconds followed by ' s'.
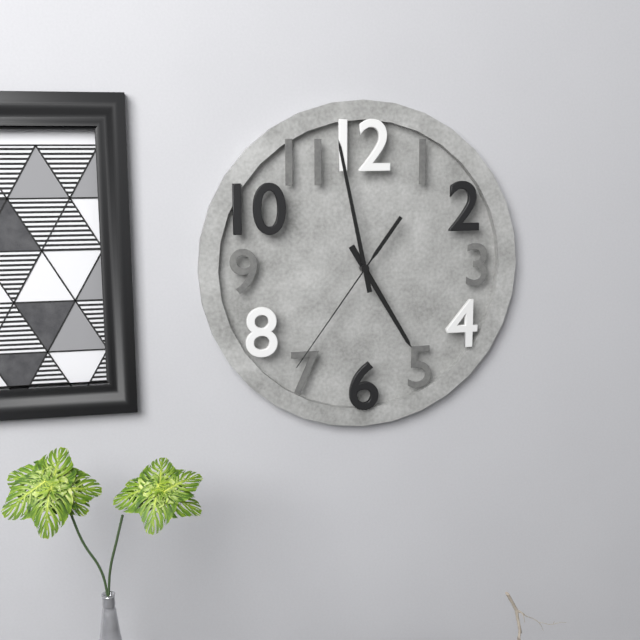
4 h 58 min 36 s
